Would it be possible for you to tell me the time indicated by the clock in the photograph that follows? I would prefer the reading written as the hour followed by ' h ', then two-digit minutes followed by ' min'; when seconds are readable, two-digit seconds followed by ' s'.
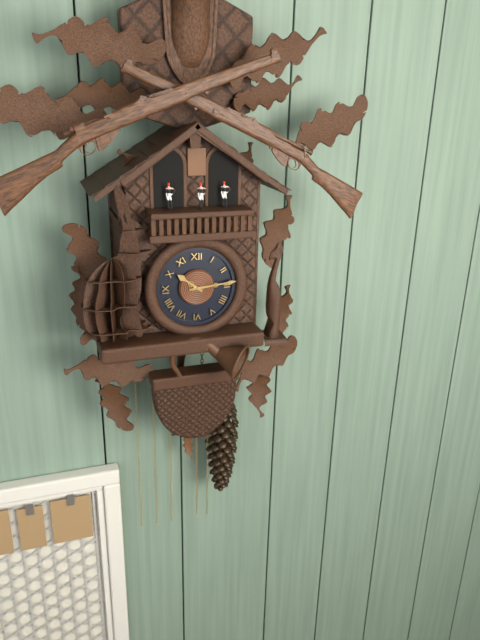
10 h 14 min
